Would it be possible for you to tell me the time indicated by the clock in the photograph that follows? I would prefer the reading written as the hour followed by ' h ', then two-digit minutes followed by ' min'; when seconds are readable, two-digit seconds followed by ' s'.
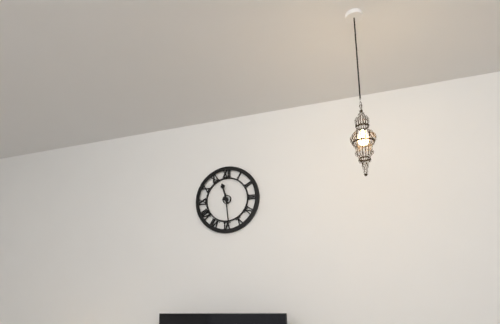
11 h 29 min
